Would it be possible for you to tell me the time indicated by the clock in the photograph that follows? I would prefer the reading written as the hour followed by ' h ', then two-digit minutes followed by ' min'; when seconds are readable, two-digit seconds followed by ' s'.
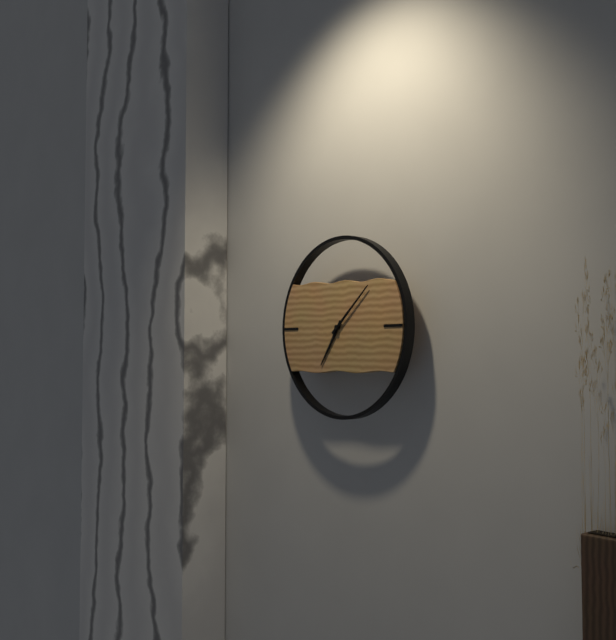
7 h 08 min
